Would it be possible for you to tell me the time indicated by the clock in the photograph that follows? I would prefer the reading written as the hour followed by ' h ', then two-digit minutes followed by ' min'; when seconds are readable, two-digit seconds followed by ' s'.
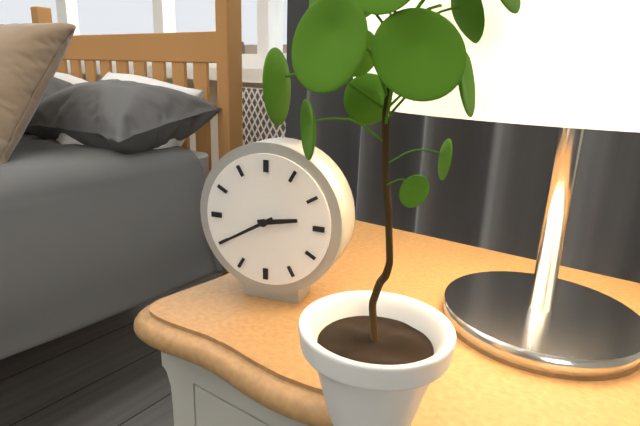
2 h 40 min
